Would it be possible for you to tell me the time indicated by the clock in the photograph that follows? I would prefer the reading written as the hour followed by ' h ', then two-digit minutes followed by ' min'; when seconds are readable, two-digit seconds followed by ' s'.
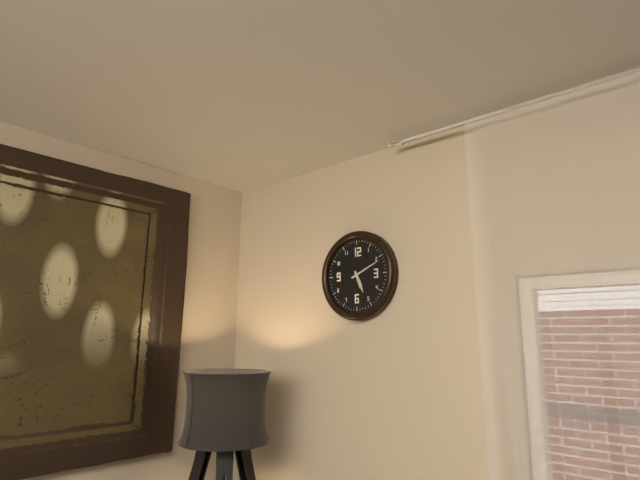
5 h 11 min
